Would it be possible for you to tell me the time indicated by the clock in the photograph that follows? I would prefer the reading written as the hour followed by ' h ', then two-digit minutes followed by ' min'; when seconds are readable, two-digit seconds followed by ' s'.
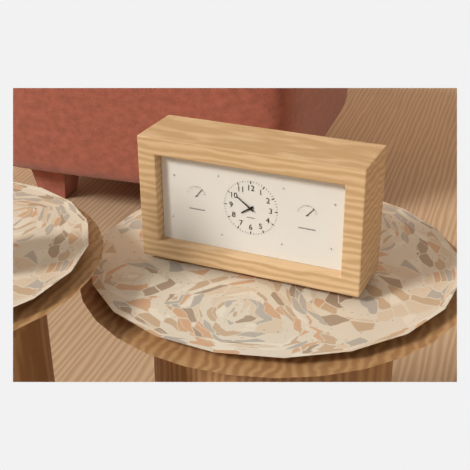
7 h 51 min
